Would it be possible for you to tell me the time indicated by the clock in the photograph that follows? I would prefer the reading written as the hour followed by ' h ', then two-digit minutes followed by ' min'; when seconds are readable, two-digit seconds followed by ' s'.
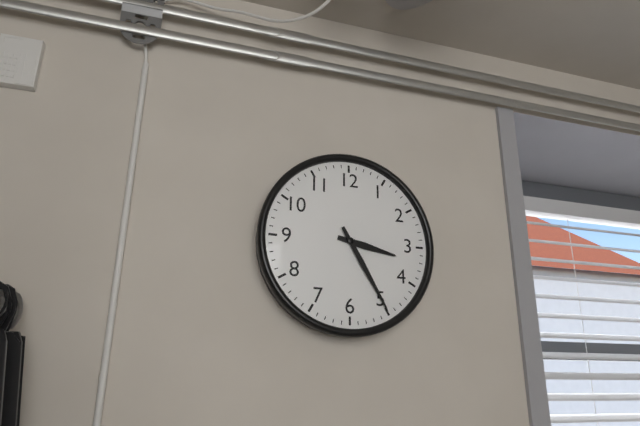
3 h 25 min
